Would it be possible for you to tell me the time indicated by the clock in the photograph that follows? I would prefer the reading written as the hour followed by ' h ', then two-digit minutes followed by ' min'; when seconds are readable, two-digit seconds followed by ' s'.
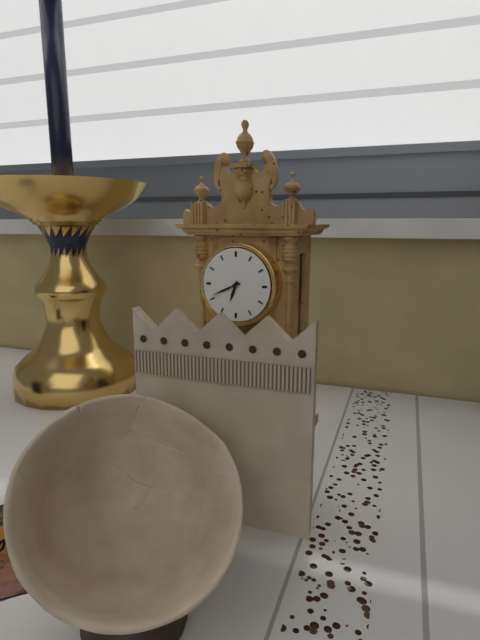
6 h 41 min
